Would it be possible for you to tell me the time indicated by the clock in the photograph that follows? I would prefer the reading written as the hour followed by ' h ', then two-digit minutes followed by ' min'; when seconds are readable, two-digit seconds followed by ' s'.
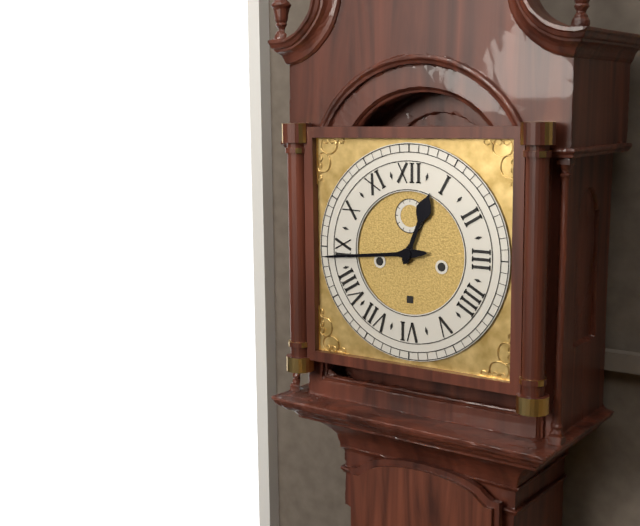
12 h 44 min
